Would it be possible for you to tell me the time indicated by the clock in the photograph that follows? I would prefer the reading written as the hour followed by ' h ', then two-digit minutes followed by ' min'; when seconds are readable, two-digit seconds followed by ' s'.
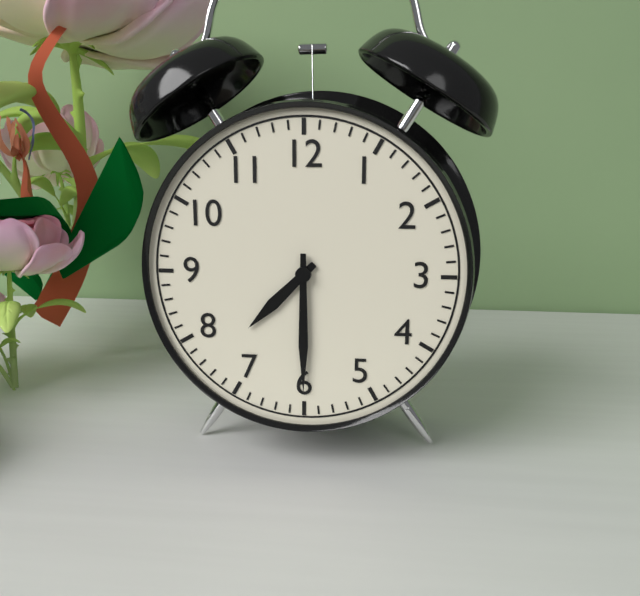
7 h 30 min
